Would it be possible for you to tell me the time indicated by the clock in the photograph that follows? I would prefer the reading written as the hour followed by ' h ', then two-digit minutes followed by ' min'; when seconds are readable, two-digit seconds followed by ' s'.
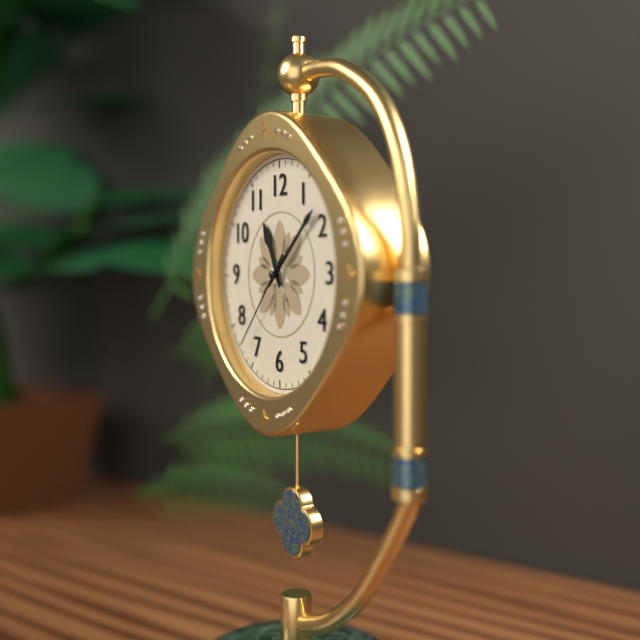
11 h 08 min 37 s
